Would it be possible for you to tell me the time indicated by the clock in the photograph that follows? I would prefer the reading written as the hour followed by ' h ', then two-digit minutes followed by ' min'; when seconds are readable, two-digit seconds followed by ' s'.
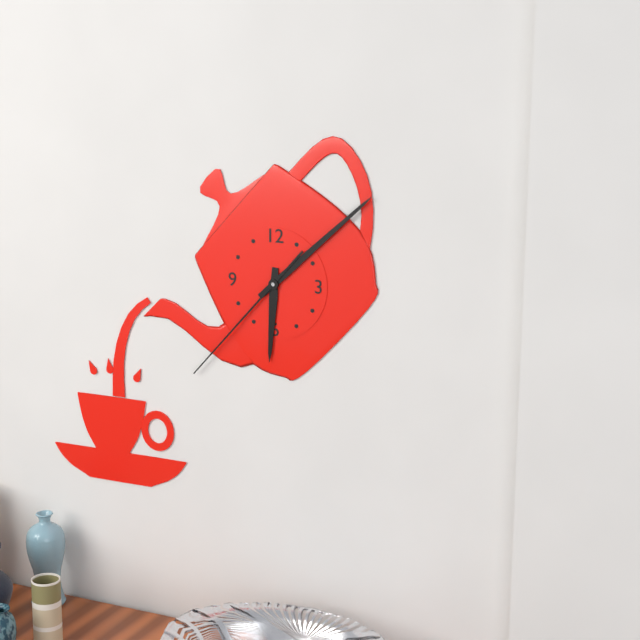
6 h 08 min 37 s
